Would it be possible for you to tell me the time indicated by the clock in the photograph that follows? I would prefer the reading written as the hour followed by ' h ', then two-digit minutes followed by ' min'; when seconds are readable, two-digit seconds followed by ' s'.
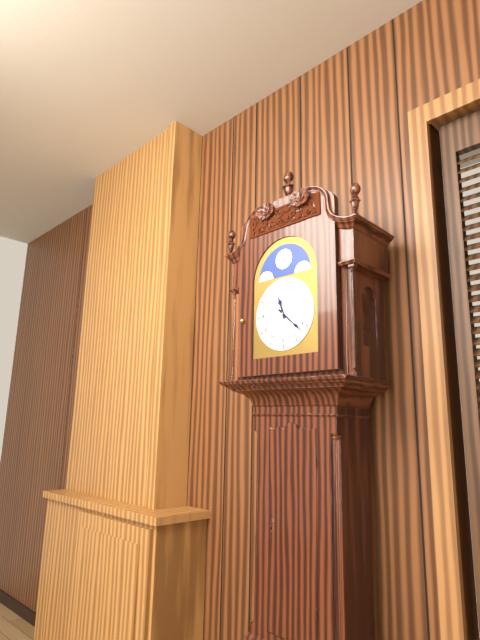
11 h 22 min
